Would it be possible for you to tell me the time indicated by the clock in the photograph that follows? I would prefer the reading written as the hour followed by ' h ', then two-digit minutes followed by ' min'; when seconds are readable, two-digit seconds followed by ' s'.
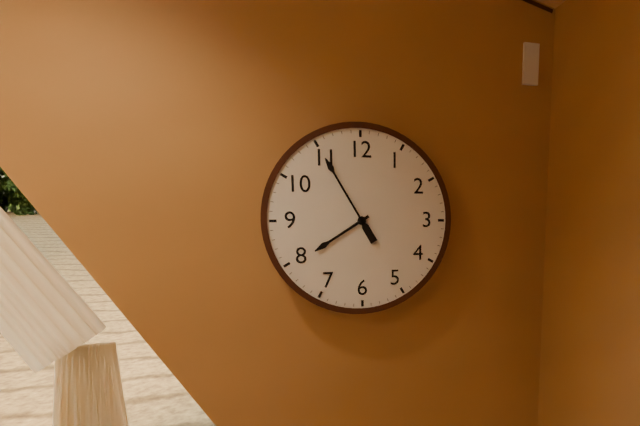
7 h 55 min
